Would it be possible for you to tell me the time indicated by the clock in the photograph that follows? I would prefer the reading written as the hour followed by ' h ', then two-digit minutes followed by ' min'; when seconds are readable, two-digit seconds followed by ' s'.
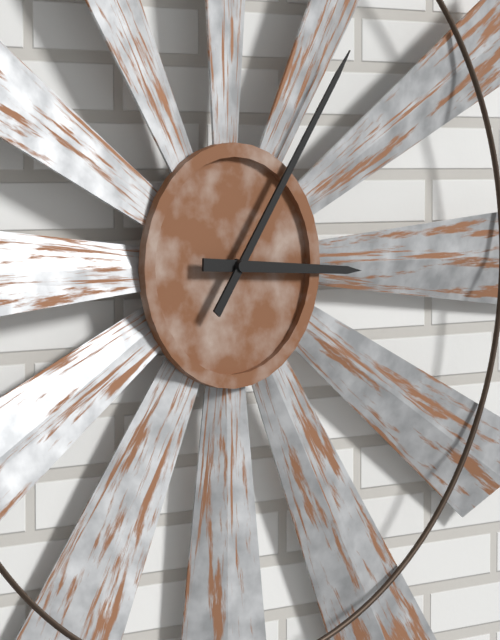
3 h 06 min
